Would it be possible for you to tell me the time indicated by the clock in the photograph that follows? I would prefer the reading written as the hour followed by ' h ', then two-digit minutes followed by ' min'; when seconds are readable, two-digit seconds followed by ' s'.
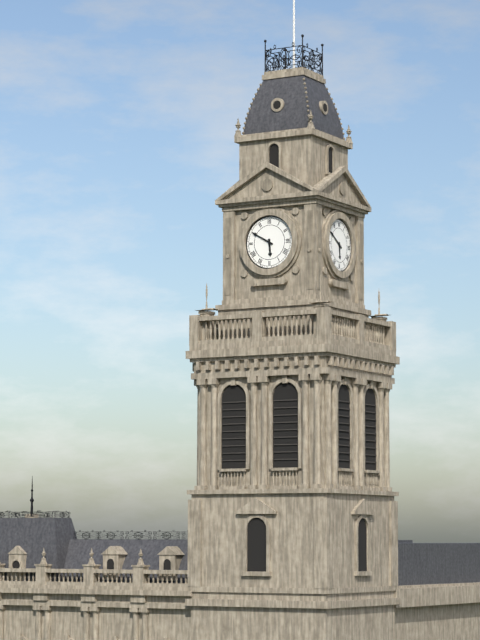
5 h 50 min
